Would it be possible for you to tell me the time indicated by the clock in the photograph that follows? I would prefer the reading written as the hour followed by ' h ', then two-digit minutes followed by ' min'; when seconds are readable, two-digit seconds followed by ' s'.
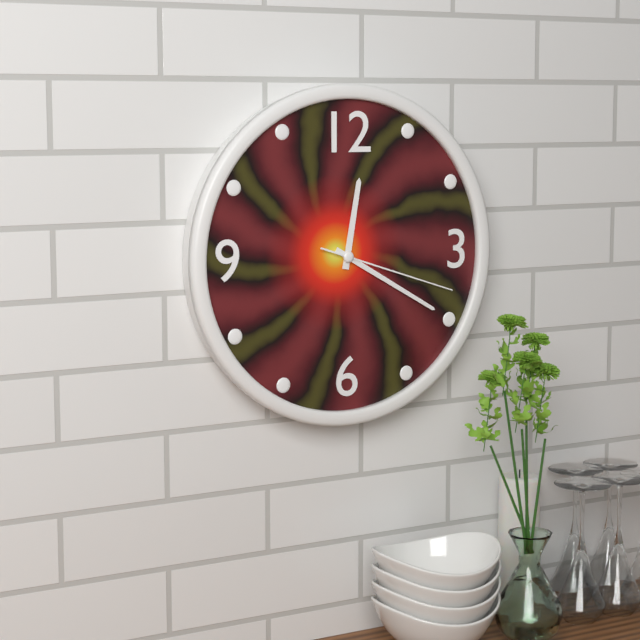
12 h 20 min 18 s
